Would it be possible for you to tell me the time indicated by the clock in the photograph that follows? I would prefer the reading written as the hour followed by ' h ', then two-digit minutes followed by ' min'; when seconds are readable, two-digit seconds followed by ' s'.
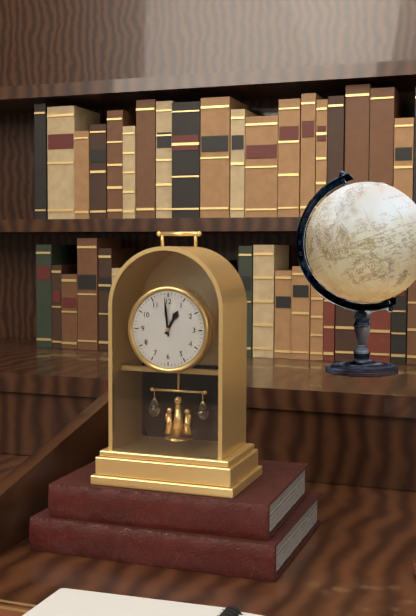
12 h 59 min
